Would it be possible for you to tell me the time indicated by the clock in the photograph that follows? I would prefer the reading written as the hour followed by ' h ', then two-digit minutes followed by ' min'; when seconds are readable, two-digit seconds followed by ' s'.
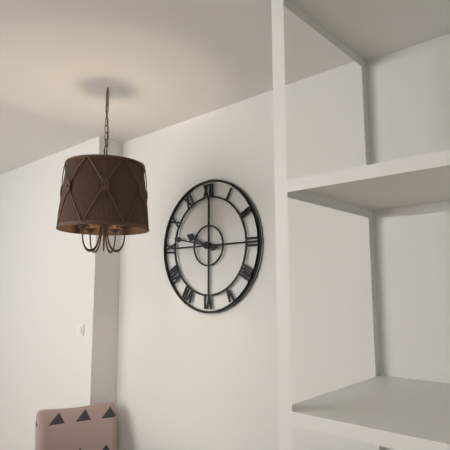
9 h 47 min
